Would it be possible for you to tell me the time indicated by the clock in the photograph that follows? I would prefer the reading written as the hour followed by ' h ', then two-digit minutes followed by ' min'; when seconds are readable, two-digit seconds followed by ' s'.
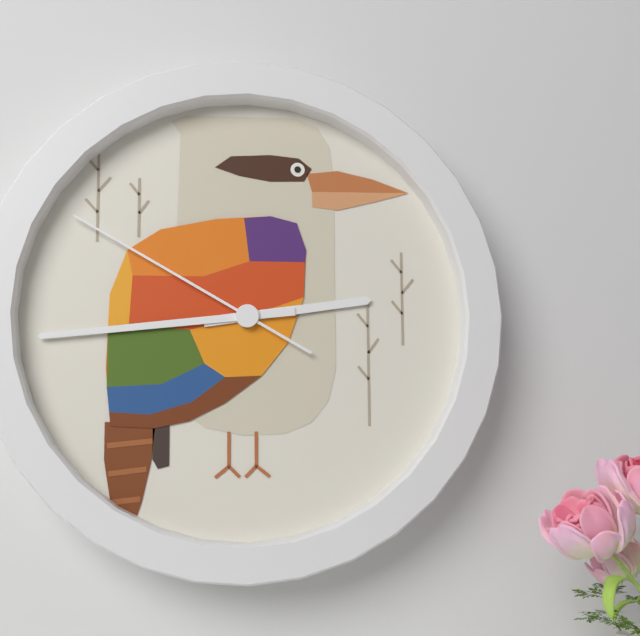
2 h 44 min 50 s
